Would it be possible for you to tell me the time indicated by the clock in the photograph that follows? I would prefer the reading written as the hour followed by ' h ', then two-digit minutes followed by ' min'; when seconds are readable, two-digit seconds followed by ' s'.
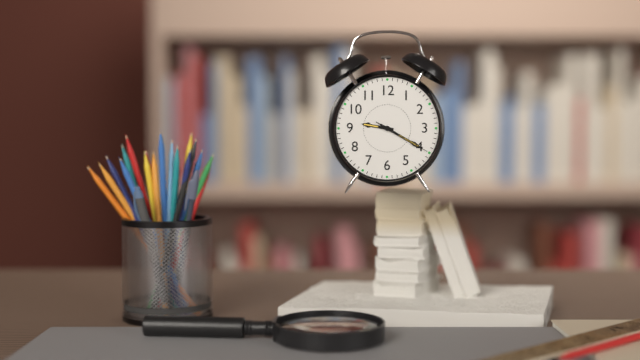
9 h 20 min 20 s
